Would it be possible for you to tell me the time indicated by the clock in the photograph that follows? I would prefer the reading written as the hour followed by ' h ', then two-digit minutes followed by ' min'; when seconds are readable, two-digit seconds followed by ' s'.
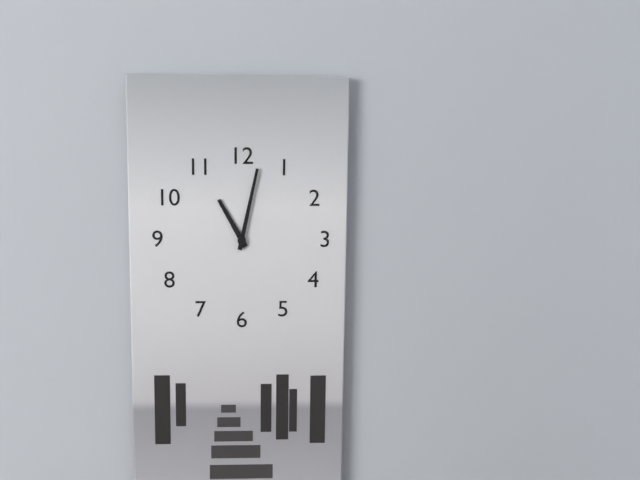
11 h 02 min
